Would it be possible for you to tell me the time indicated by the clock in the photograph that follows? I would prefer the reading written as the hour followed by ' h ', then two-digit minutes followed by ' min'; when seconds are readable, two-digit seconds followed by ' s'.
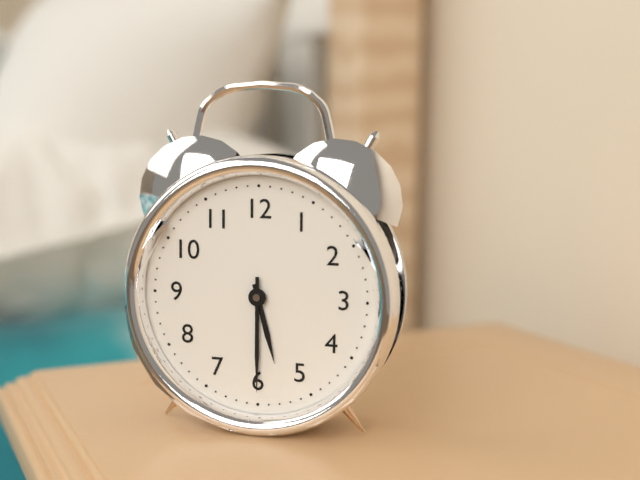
5 h 30 min
